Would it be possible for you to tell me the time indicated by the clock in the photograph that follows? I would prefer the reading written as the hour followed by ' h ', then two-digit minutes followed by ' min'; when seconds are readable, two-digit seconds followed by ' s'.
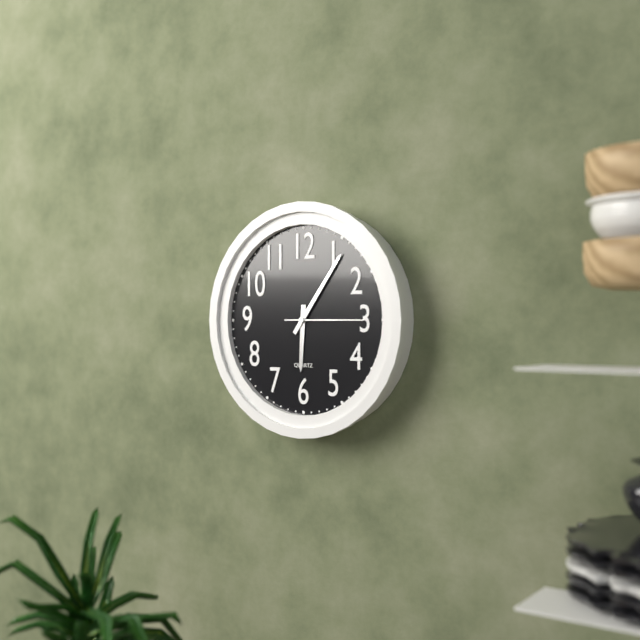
6 h 06 min 15 s
